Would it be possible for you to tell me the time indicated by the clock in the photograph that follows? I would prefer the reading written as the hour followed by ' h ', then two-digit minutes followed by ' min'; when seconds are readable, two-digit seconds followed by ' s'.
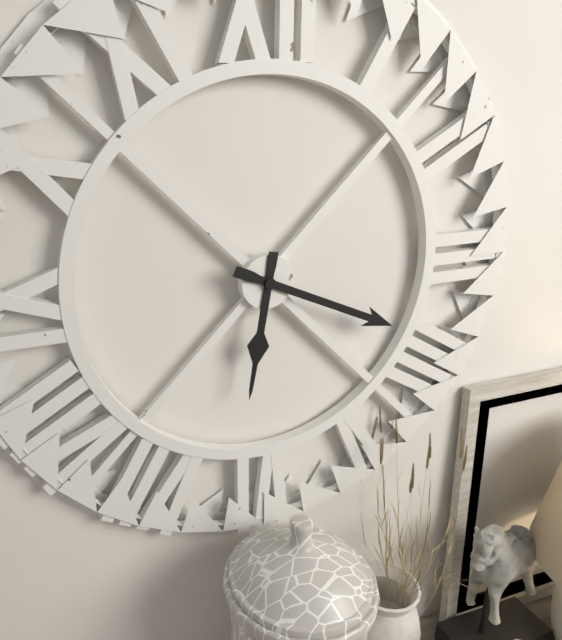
6 h 19 min
